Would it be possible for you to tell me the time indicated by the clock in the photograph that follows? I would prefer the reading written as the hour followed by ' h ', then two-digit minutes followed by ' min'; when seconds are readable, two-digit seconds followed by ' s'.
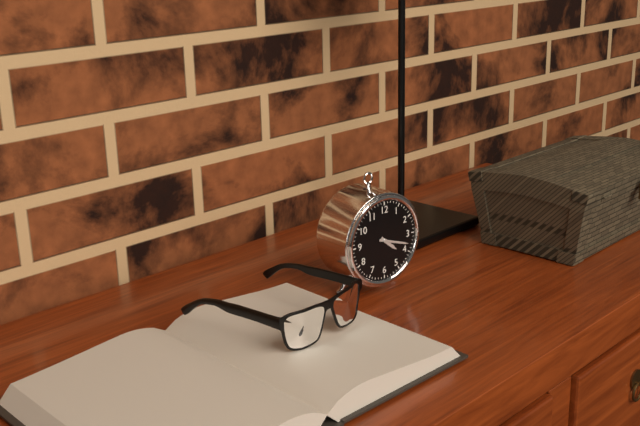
4 h 18 min
